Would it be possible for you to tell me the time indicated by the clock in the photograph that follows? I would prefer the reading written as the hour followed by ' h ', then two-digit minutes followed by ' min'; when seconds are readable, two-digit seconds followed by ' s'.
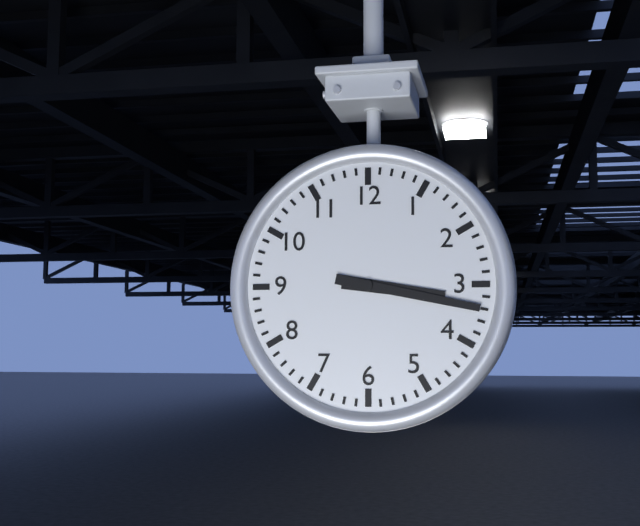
3 h 17 min
